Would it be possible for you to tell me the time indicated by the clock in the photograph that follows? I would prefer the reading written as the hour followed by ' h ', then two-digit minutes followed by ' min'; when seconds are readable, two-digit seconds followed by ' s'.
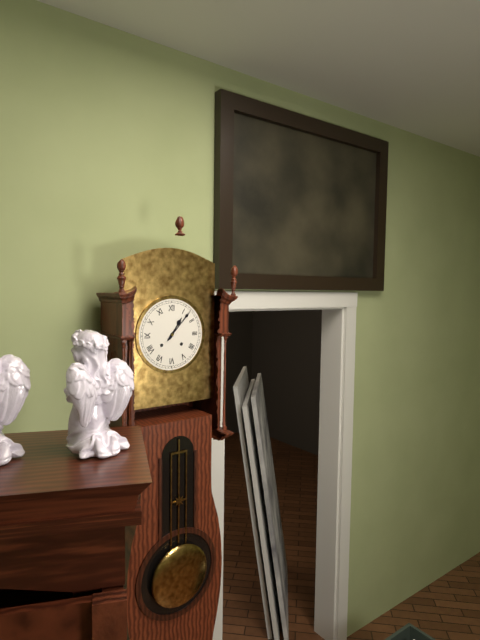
1 h 07 min
